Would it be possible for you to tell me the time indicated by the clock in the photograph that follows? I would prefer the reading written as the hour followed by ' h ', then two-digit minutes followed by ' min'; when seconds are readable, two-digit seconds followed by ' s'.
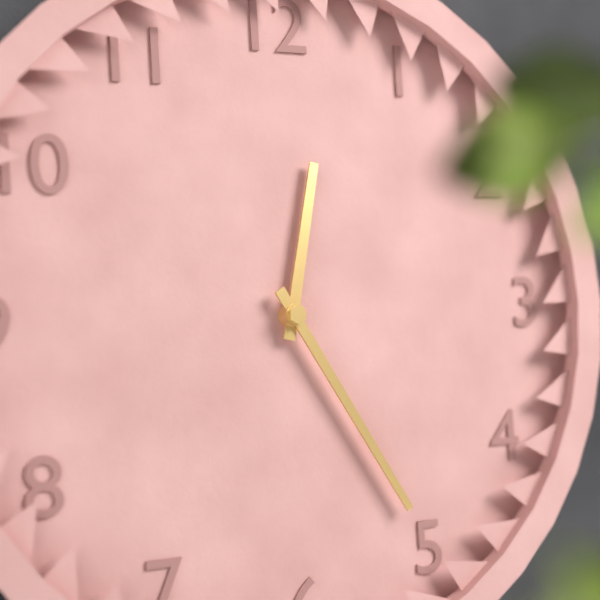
12 h 25 min
